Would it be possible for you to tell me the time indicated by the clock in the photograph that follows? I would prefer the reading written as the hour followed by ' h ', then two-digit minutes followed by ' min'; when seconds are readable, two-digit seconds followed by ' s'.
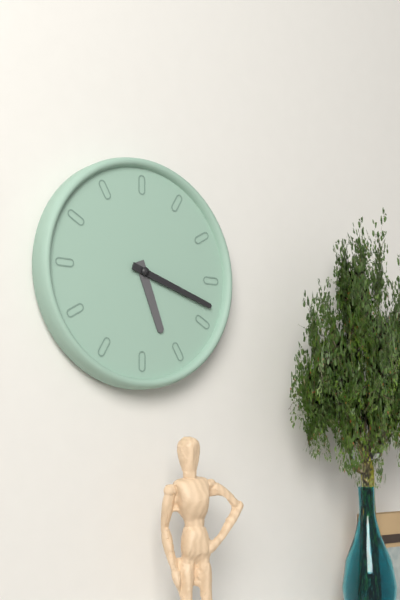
5 h 18 min
